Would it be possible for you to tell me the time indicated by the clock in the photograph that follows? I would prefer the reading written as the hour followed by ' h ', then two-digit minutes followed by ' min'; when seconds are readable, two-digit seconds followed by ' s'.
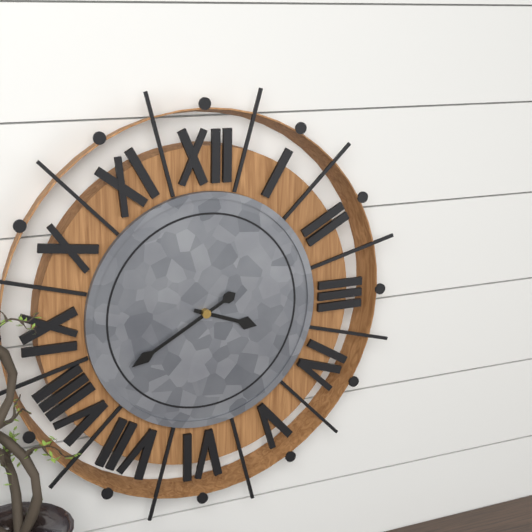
3 h 40 min
